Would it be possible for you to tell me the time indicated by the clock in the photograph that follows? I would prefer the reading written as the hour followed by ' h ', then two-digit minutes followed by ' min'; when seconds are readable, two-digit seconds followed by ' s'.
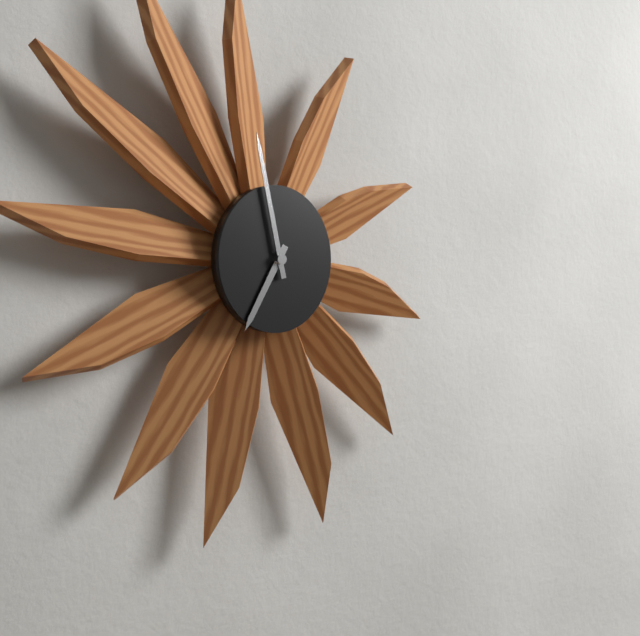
6 h 58 min
